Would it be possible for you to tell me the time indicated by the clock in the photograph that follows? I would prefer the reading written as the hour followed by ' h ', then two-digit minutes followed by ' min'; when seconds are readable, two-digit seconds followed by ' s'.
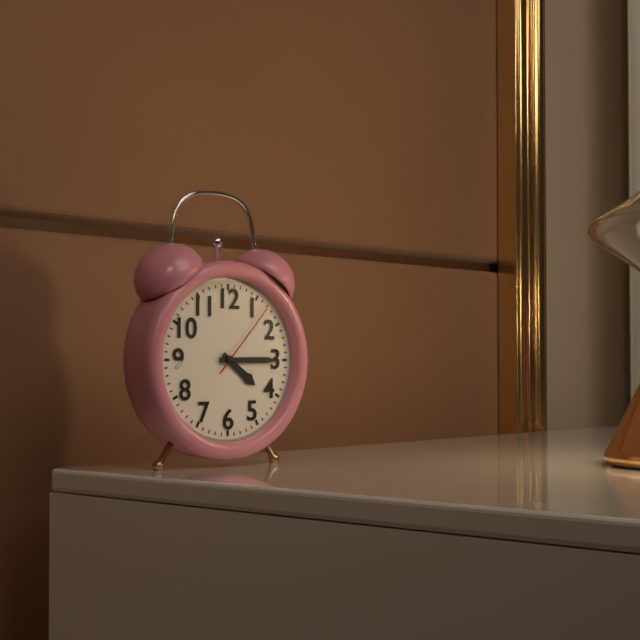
4 h 15 min 07 s
